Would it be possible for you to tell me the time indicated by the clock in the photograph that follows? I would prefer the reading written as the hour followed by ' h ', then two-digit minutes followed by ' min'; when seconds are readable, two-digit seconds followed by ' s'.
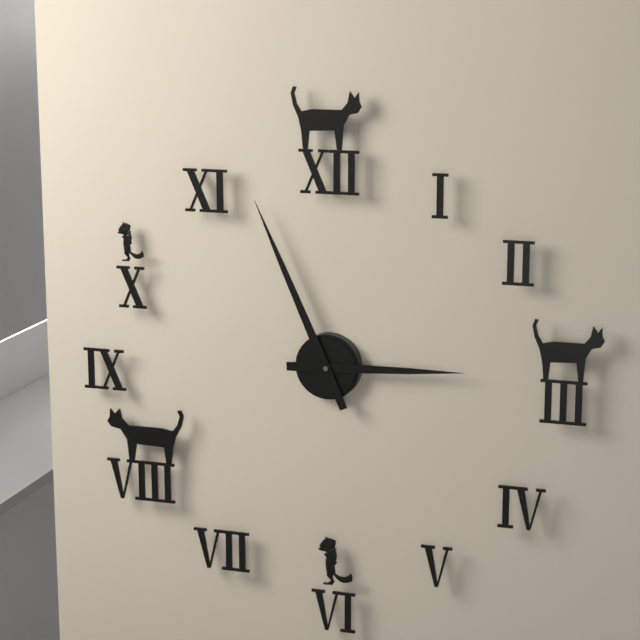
2 h 56 min
